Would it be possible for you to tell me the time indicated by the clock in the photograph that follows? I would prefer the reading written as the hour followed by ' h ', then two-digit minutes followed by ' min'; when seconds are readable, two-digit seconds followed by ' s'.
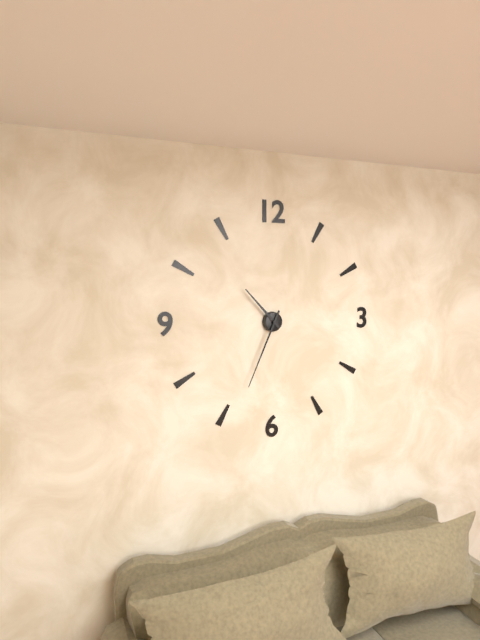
10 h 34 min
